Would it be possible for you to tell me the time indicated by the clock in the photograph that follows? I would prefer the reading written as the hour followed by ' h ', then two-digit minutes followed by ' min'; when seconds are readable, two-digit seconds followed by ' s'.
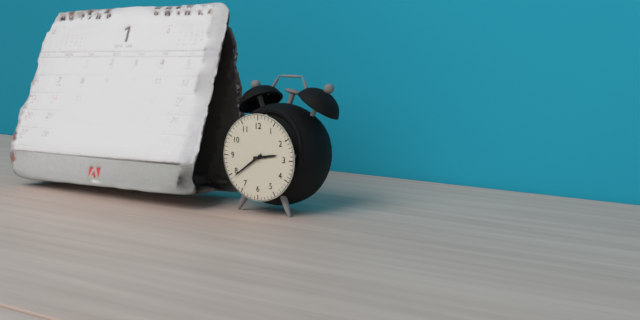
2 h 39 min
